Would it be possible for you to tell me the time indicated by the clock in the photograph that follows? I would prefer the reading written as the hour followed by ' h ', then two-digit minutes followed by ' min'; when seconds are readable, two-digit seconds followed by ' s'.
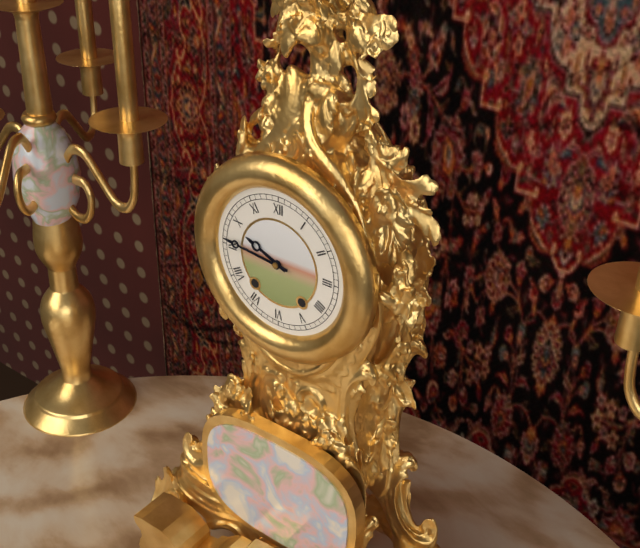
9 h 46 min
